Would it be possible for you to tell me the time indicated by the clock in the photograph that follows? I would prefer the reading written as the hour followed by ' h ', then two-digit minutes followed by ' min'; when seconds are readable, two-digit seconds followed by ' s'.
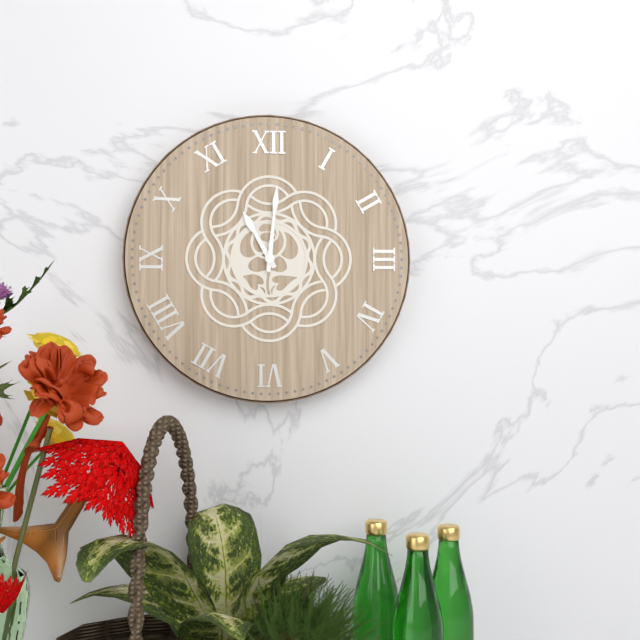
11 h 01 min
